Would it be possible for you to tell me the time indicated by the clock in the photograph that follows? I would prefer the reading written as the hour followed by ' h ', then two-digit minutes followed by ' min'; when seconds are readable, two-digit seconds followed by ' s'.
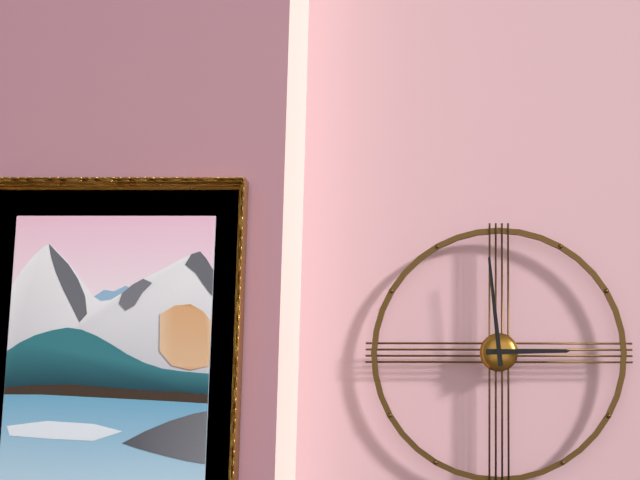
2 h 59 min
